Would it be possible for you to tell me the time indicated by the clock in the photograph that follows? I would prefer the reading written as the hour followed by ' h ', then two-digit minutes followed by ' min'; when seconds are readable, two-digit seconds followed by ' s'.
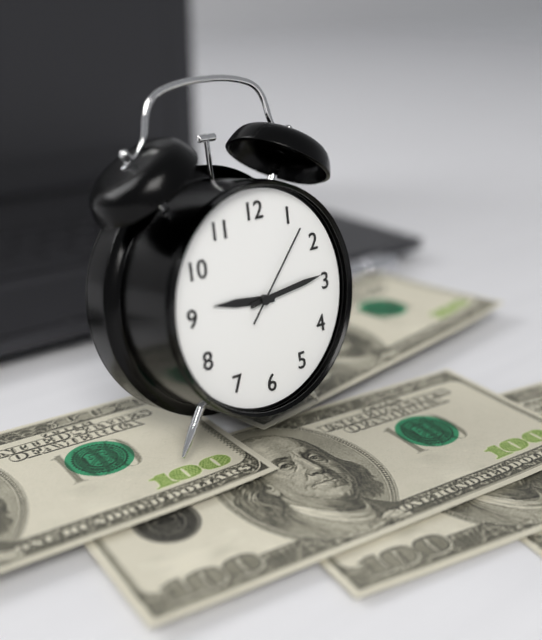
9 h 14 min 07 s
